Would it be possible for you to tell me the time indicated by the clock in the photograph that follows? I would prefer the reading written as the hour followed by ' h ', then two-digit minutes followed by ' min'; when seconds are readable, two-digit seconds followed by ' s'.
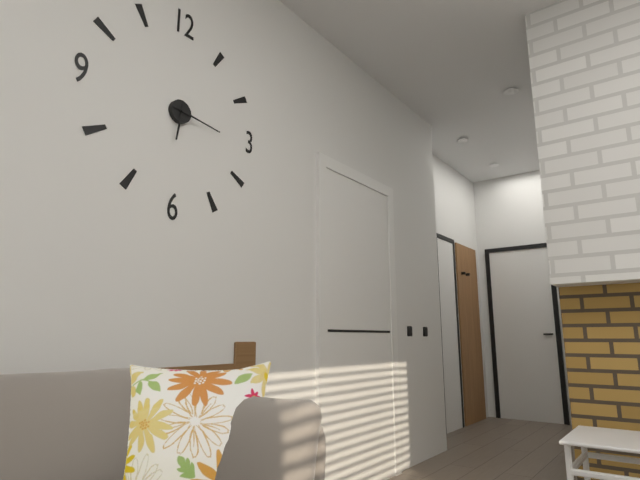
6 h 16 min
